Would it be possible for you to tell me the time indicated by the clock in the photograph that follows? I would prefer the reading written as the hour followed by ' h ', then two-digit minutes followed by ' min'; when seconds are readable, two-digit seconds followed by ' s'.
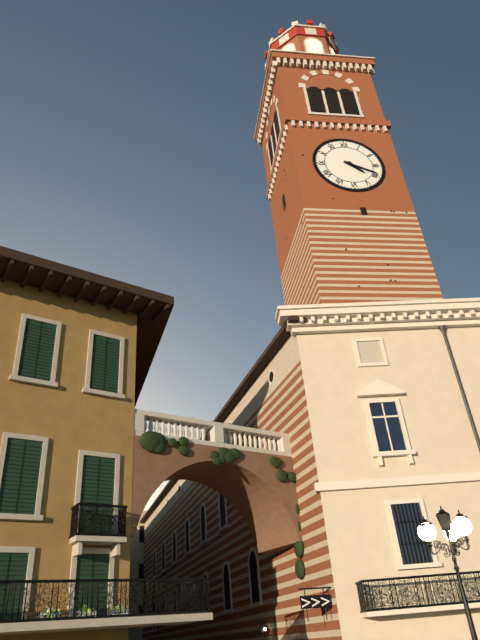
4 h 19 min
